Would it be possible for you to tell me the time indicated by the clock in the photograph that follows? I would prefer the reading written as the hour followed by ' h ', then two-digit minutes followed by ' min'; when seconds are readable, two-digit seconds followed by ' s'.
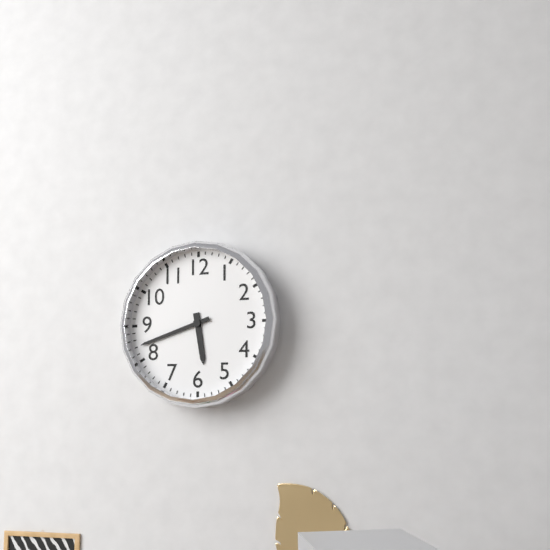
5 h 42 min
